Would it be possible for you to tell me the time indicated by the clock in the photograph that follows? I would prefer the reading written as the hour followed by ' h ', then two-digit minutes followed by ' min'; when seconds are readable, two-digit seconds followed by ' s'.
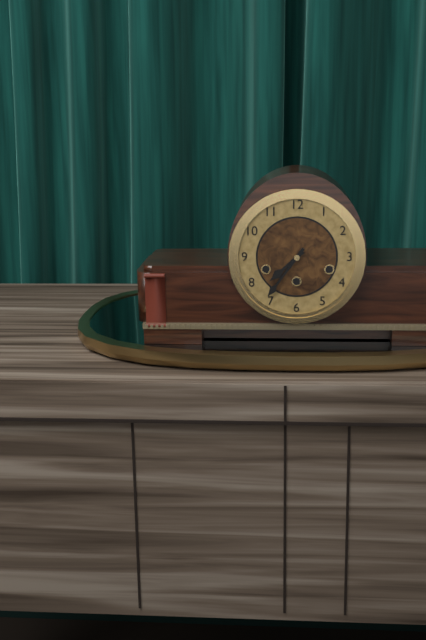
7 h 36 min
